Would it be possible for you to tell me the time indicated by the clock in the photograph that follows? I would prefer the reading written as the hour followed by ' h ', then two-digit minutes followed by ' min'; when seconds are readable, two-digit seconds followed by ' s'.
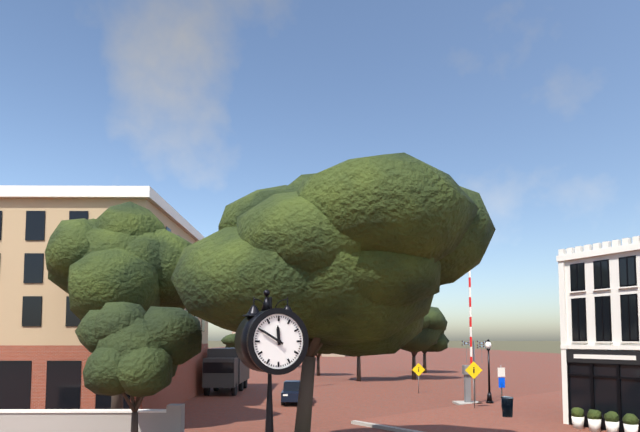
11 h 50 min
